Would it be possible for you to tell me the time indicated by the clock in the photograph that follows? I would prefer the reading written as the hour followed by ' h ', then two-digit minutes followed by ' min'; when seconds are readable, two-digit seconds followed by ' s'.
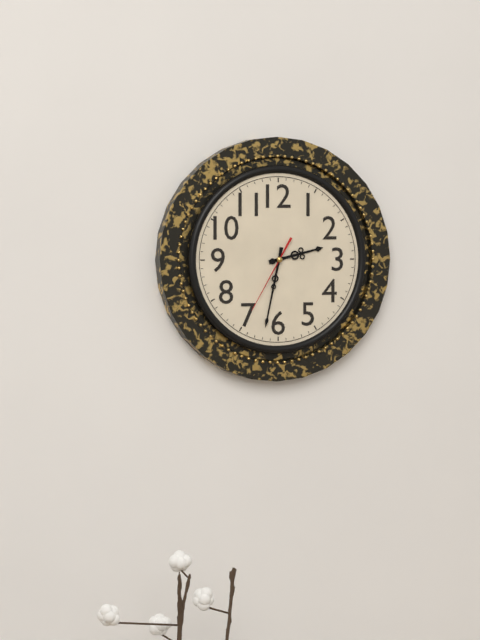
2 h 32 min 35 s
